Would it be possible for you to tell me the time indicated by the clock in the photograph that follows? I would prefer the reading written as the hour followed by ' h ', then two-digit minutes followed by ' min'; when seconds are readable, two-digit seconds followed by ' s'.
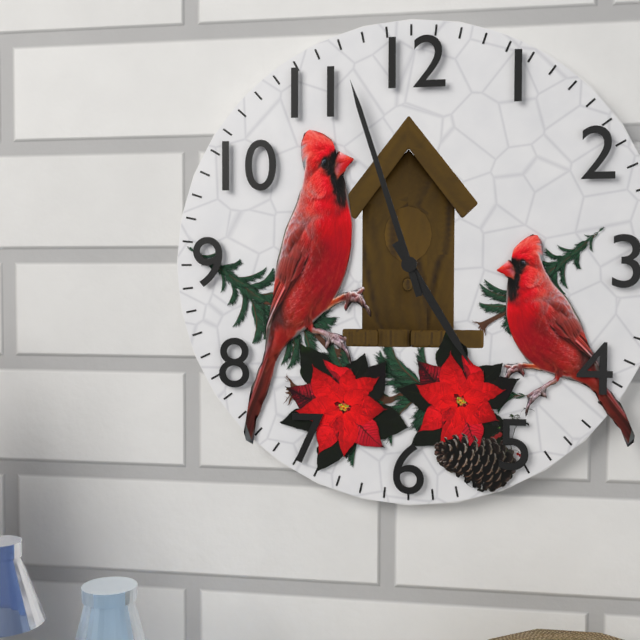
4 h 57 min
